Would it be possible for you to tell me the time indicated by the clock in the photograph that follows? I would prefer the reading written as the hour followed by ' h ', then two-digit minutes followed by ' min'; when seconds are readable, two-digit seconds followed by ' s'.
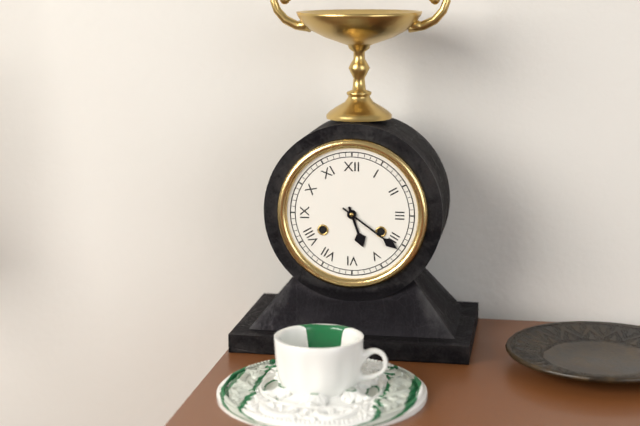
5 h 21 min
